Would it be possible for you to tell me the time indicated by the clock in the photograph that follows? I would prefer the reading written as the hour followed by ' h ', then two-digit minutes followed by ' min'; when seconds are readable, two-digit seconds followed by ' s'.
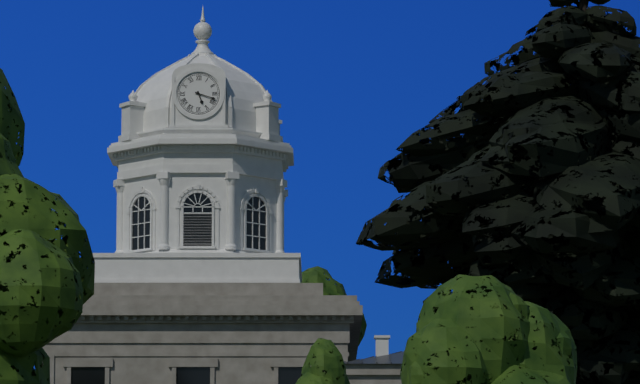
5 h 18 min
